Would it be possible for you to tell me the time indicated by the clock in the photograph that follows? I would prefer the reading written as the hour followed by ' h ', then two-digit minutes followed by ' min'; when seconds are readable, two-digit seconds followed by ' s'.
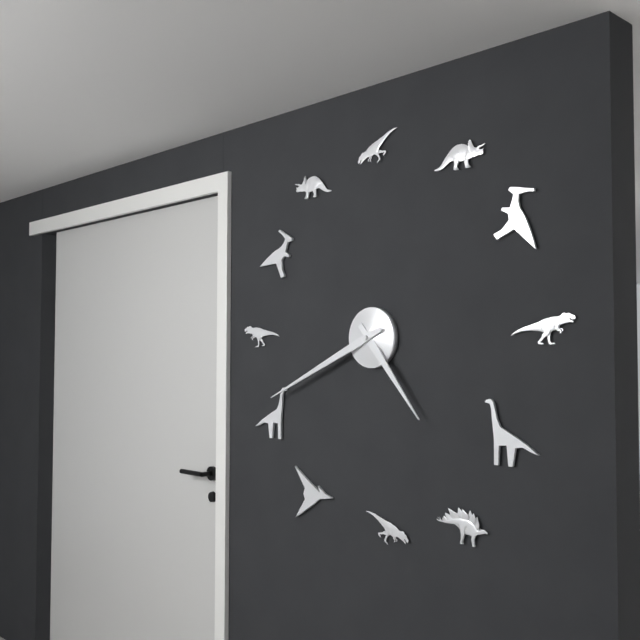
4 h 41 min
